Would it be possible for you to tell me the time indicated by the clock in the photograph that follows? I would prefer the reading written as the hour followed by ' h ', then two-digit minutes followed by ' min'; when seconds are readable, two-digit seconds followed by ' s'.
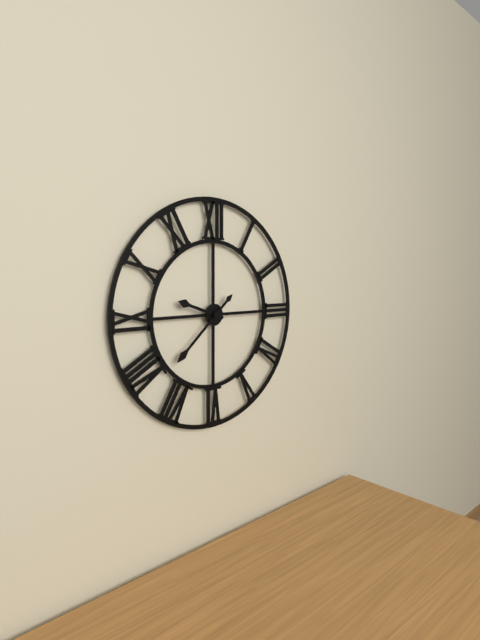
9 h 38 min
